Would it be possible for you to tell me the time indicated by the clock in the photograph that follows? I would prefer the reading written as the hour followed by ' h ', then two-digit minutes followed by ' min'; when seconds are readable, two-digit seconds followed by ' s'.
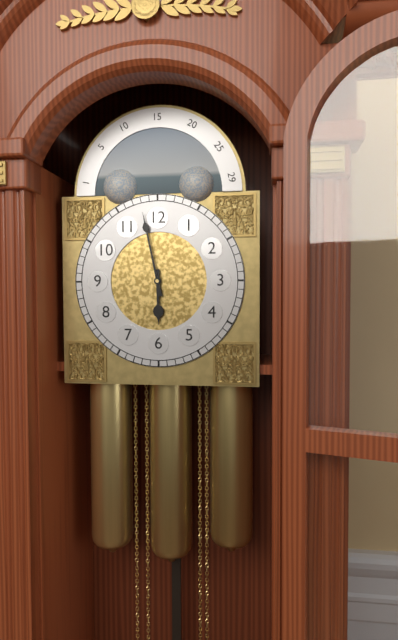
5 h 58 min
